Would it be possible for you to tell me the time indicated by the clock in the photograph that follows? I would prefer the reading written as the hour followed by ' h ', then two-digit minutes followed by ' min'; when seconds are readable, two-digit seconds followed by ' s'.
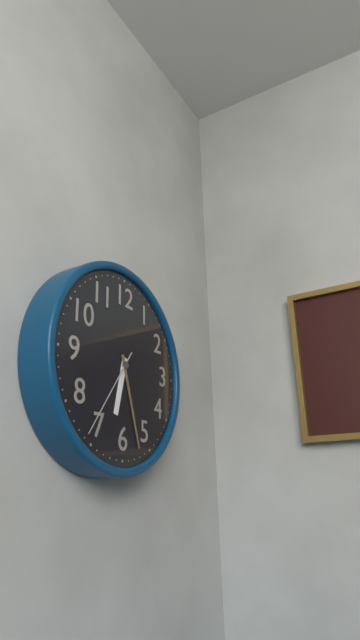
6 h 27 min 36 s
